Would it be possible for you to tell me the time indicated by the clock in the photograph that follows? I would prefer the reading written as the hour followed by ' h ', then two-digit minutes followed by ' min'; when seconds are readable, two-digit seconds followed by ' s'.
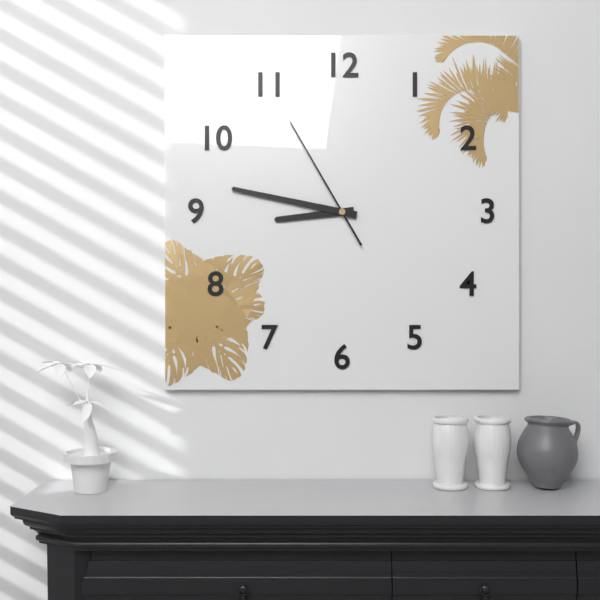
8 h 47 min 55 s
